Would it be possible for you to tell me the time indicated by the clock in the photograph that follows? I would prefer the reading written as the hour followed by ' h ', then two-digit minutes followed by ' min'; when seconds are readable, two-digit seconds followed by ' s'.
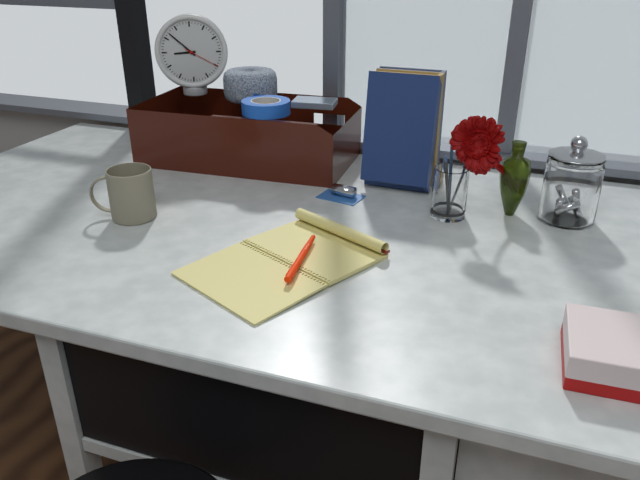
8 h 52 min
